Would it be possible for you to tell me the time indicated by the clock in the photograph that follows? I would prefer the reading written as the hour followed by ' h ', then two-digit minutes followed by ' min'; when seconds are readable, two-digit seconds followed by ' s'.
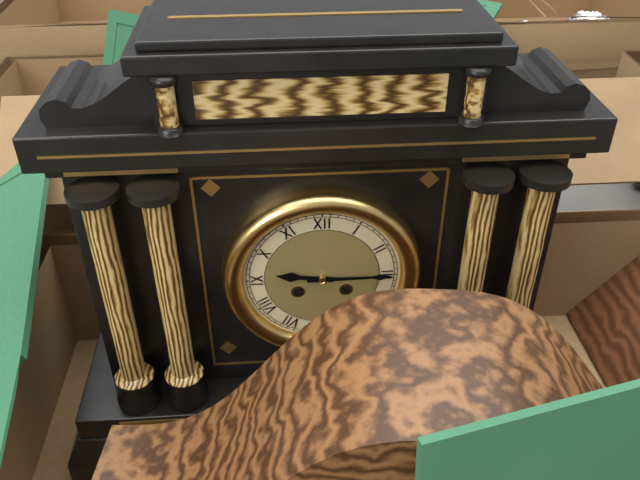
9 h 15 min
